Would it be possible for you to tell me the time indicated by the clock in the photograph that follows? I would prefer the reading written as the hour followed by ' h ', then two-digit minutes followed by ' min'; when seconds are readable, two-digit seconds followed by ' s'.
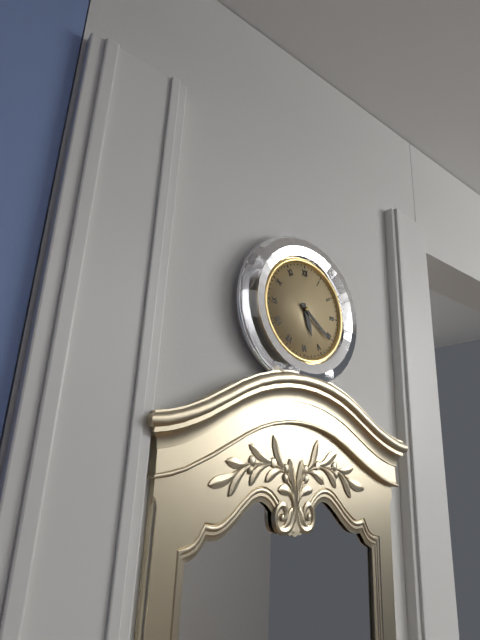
5 h 21 min
